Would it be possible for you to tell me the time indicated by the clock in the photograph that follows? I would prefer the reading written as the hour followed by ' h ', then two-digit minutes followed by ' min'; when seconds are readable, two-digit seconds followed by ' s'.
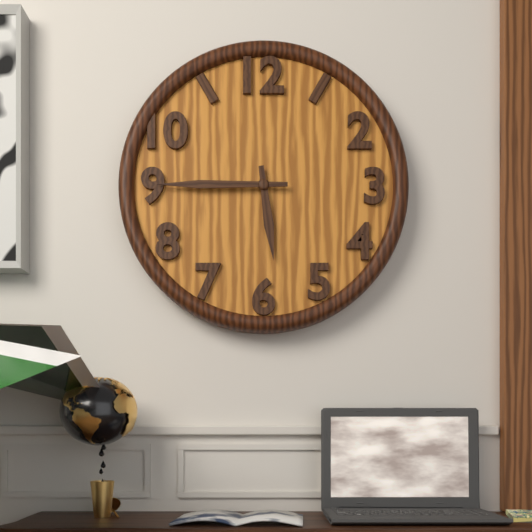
5 h 45 min
